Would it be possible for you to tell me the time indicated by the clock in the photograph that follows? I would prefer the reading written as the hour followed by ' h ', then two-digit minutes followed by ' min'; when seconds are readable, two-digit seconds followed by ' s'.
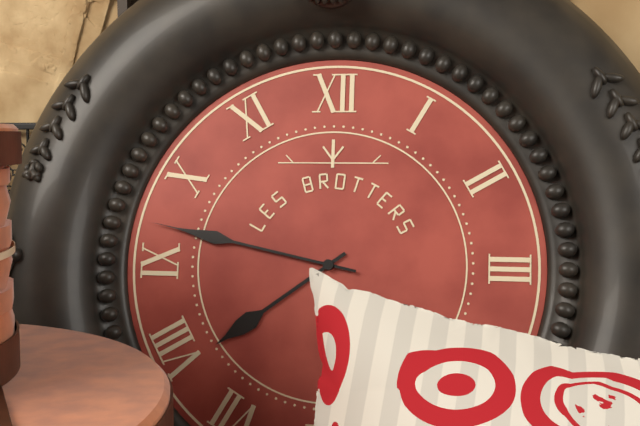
7 h 47 min
